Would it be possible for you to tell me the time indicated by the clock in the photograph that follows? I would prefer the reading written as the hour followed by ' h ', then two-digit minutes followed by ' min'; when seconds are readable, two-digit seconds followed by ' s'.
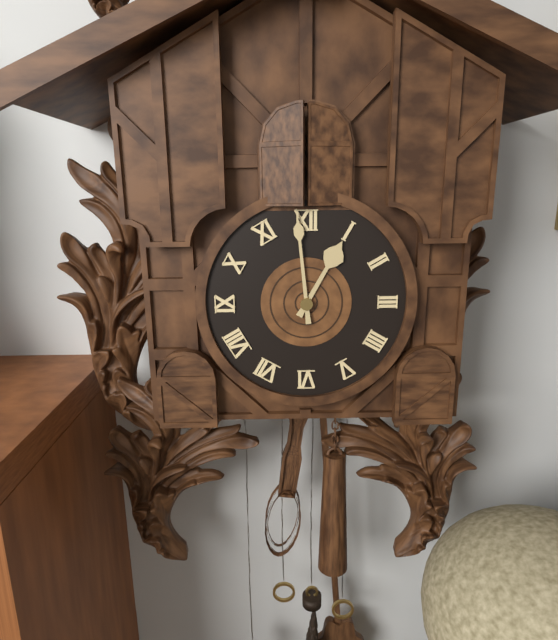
12 h 59 min
